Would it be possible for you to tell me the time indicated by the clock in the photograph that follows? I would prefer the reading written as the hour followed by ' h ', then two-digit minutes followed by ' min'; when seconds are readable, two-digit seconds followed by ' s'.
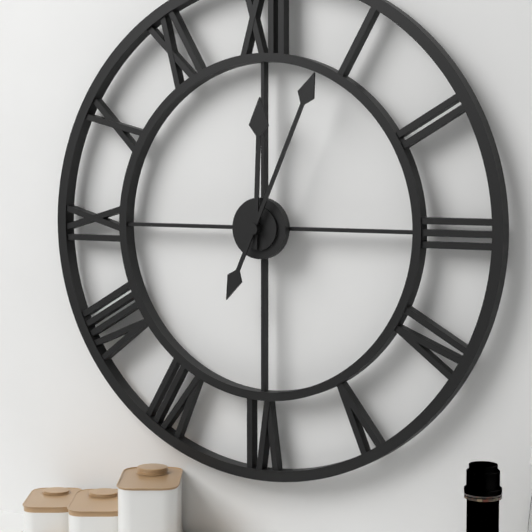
12 h 04 min
